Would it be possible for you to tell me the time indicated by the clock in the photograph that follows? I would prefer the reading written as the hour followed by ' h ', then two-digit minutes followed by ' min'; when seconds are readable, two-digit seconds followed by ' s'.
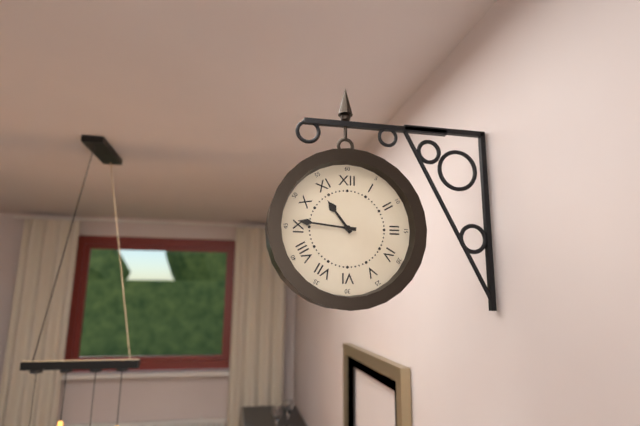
10 h 46 min
